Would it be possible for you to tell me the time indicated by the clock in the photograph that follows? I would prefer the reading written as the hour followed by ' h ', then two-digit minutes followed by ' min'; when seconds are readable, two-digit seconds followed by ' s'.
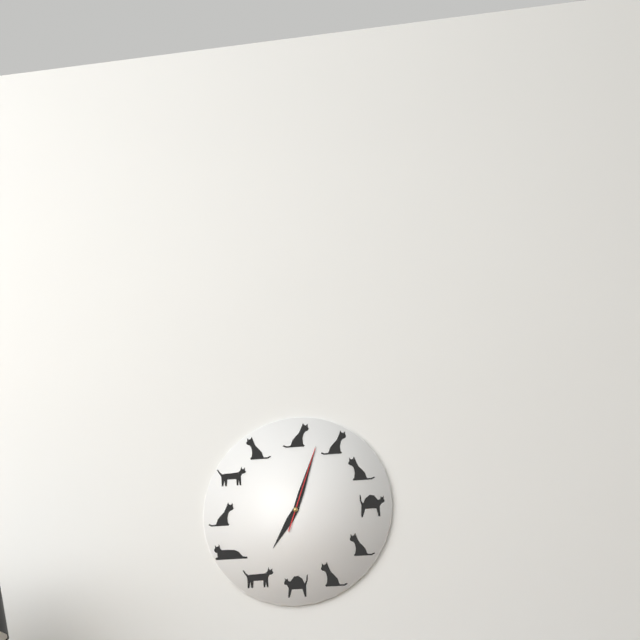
7 h 03 min 03 s
